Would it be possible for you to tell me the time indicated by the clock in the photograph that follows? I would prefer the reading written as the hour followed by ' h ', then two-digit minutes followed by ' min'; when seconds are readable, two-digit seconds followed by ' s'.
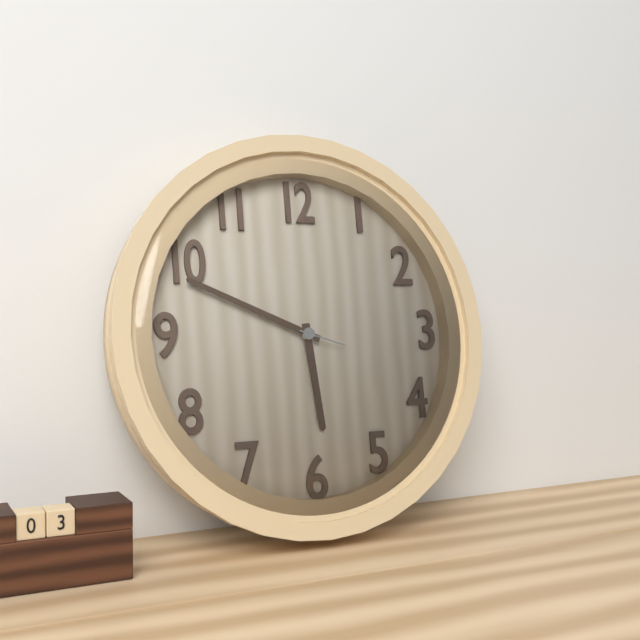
5 h 49 min
